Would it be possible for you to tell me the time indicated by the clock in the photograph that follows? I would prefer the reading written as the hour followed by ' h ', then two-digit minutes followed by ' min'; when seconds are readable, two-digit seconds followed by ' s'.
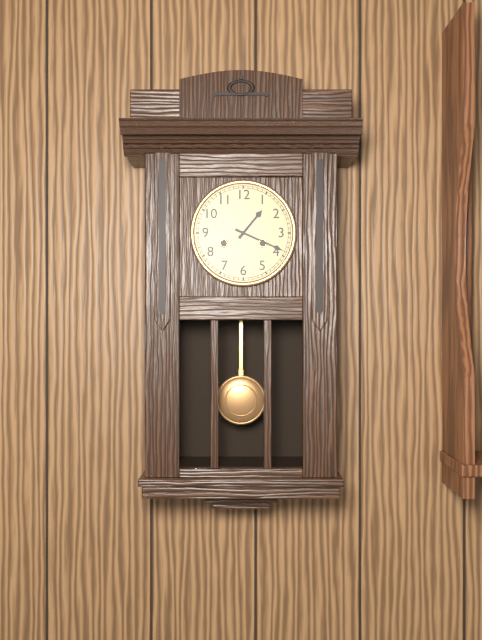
1 h 19 min
